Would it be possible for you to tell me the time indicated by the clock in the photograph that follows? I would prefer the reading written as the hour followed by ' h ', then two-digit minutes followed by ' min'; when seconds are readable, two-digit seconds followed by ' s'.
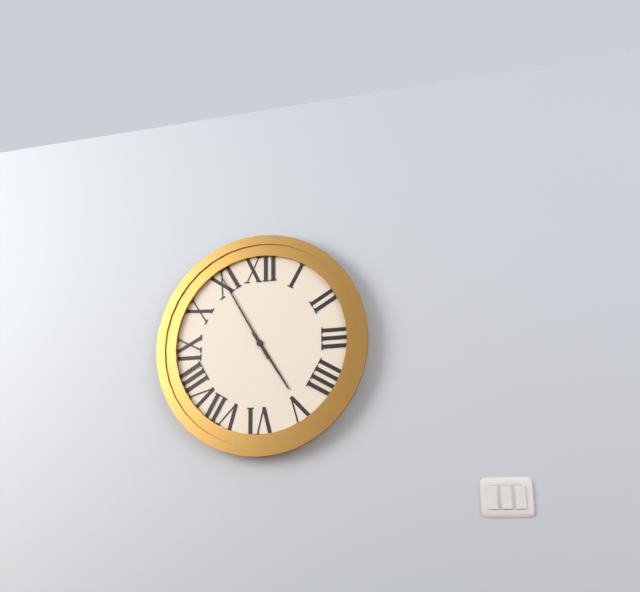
4 h 55 min
